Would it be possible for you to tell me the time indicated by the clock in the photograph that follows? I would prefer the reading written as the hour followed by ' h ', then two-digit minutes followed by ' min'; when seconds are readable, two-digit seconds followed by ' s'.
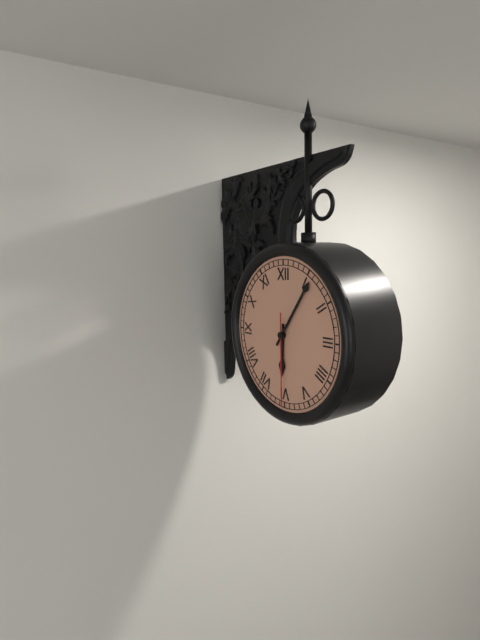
6 h 06 min 30 s
